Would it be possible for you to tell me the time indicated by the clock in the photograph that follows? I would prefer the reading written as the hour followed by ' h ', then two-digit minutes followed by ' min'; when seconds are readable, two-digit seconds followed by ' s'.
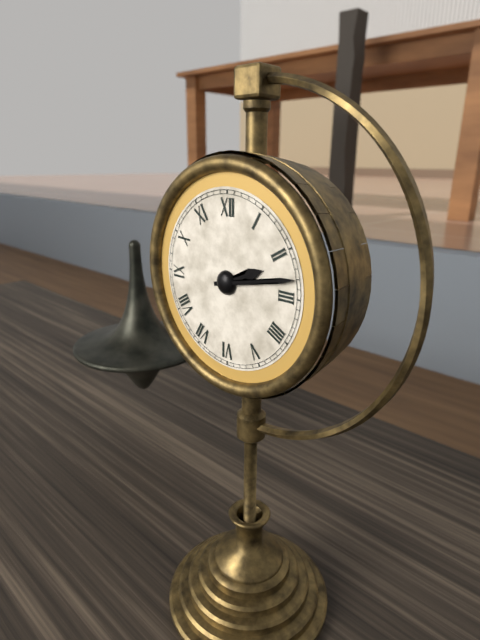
2 h 13 min
